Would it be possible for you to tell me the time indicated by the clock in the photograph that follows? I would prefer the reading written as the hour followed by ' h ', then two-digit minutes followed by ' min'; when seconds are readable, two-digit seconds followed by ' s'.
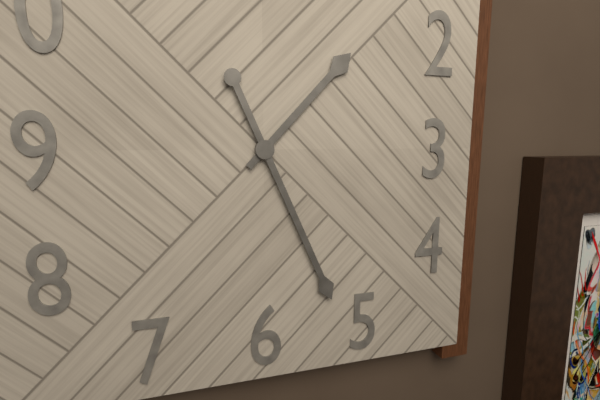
1 h 26 min
